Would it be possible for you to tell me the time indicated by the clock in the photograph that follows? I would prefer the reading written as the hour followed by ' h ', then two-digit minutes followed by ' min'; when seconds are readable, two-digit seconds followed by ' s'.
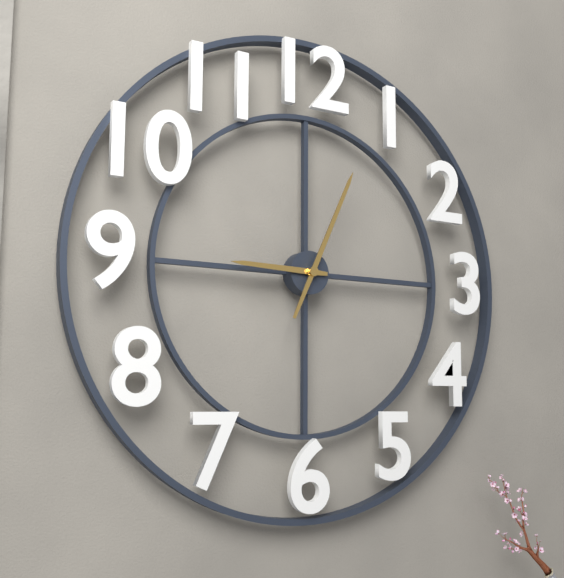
9 h 04 min
